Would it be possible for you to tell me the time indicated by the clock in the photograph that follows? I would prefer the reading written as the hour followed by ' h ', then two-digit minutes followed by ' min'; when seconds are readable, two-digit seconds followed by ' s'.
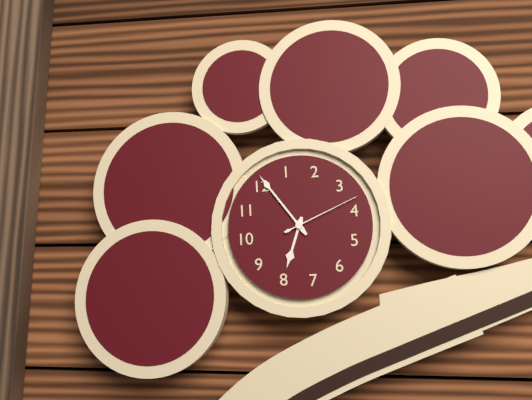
8 h 01 min 18 s
